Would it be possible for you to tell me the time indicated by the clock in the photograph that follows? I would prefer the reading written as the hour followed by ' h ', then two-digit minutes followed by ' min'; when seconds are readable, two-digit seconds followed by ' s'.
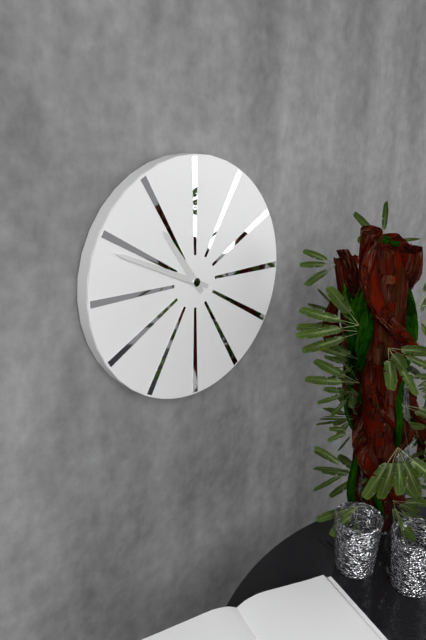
10 h 49 min
